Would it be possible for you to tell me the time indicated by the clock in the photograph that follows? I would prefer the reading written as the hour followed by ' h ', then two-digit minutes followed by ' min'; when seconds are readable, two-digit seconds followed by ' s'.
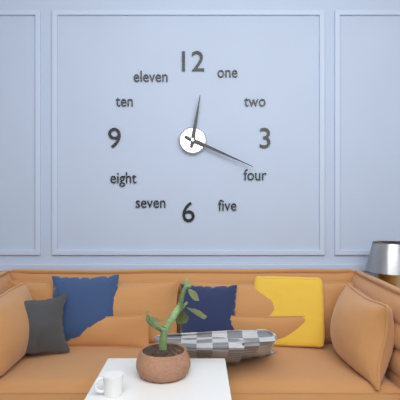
12 h 19 min
